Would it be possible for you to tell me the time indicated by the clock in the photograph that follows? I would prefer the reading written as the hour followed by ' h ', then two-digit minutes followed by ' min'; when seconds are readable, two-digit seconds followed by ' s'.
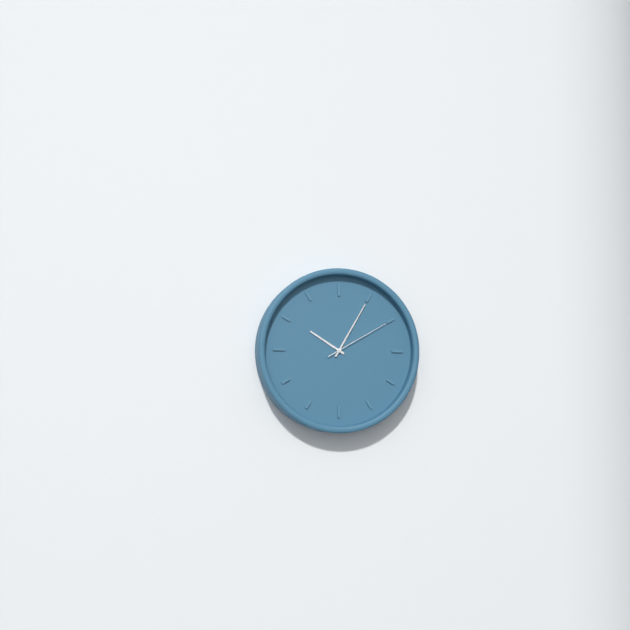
10 h 05 min 10 s
